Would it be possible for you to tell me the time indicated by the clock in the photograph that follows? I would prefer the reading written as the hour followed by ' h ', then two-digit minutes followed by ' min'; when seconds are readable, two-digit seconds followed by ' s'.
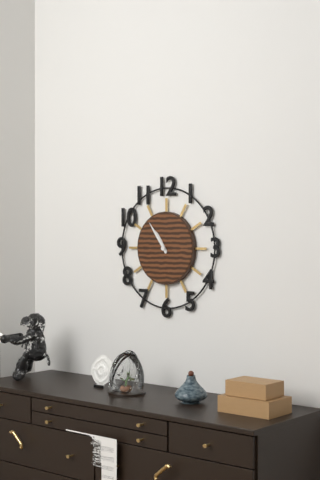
10 h 54 min
